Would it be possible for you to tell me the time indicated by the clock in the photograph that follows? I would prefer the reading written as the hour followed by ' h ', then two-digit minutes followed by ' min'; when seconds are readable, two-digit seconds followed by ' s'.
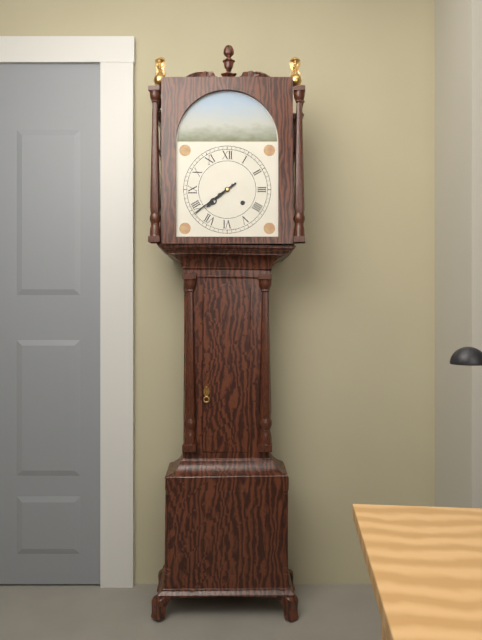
7 h 39 min
